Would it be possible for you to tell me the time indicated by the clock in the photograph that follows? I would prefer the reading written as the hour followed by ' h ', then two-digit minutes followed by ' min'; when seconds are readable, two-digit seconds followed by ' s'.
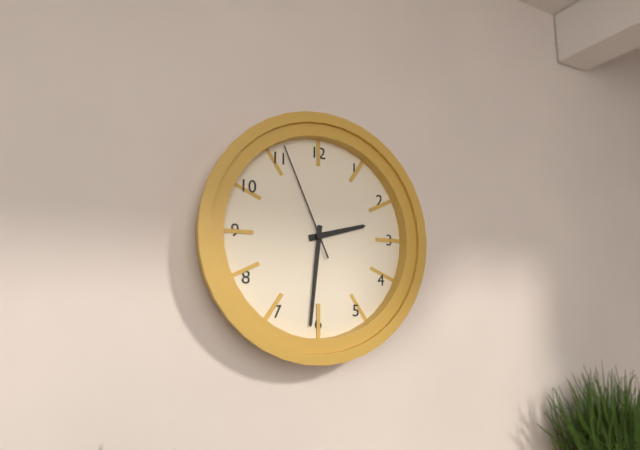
2 h 31 min 56 s
